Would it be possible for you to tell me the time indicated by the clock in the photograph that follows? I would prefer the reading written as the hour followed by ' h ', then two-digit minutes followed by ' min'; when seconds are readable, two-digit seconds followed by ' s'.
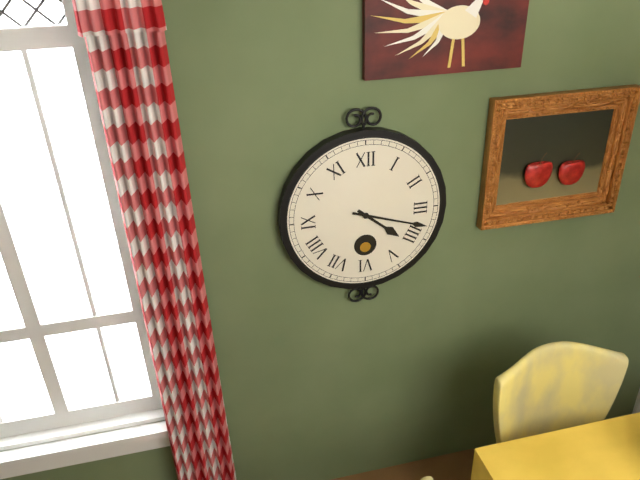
4 h 18 min
